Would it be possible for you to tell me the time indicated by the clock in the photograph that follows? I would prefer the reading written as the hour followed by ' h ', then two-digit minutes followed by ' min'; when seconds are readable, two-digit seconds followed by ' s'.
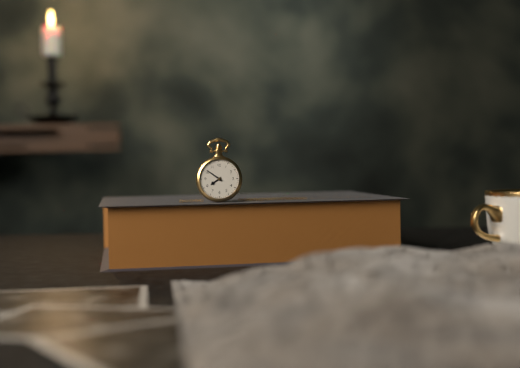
7 h 51 min
